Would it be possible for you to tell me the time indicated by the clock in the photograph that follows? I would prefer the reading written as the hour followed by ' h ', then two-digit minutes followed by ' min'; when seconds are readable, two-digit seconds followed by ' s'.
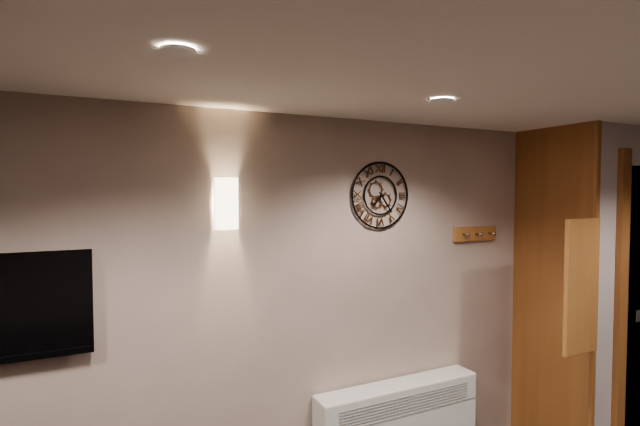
7 h 24 min
